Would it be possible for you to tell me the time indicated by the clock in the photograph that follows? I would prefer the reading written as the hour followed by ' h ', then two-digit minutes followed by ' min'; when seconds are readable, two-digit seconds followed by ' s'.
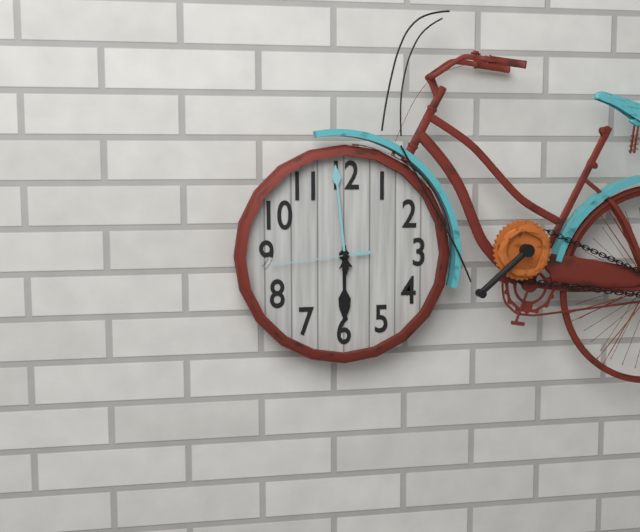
5 h 59 min 44 s
